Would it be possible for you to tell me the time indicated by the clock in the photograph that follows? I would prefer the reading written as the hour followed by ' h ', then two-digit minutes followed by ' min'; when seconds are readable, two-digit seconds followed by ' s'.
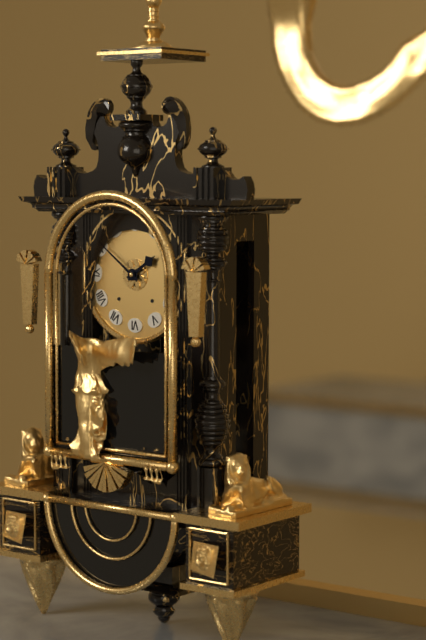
1 h 51 min
